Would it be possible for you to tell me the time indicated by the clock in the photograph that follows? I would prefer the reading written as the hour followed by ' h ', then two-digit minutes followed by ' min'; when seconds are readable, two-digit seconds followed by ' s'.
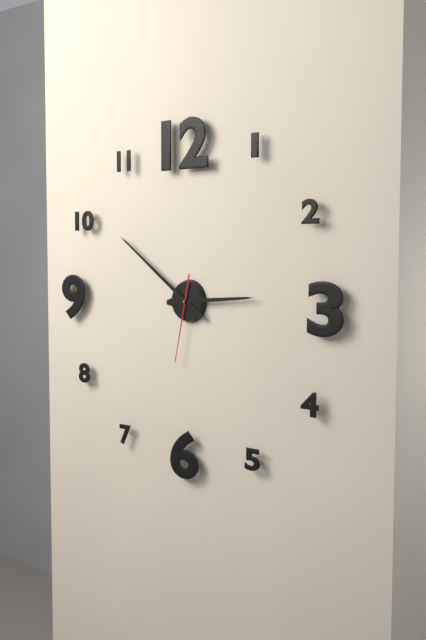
2 h 51 min 32 s
